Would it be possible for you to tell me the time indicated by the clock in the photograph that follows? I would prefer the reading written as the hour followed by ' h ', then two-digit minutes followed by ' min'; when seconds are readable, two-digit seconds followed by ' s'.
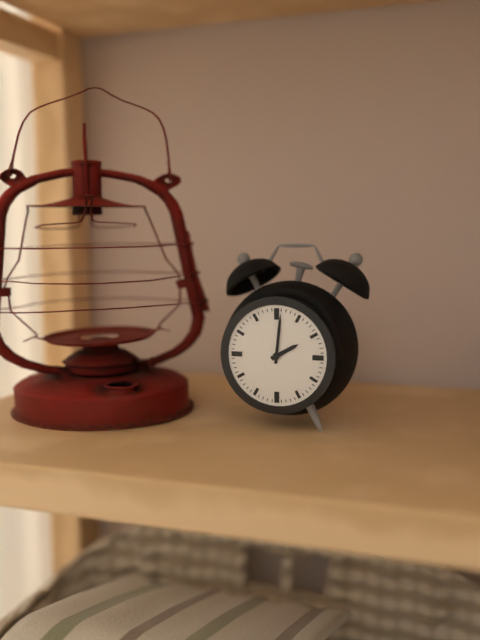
2 h 01 min
